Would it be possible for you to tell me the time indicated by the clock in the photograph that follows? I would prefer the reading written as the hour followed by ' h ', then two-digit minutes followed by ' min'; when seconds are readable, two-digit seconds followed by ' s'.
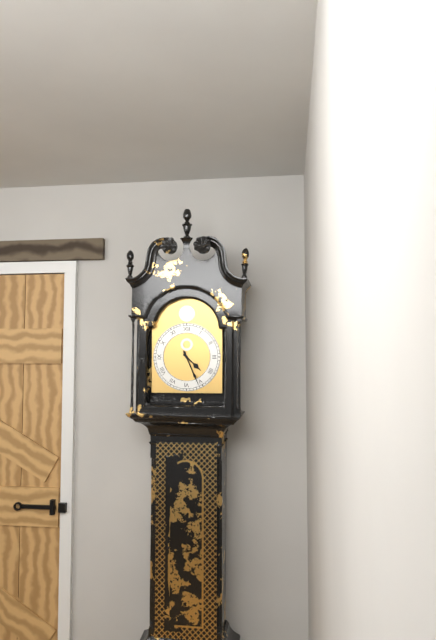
4 h 26 min
